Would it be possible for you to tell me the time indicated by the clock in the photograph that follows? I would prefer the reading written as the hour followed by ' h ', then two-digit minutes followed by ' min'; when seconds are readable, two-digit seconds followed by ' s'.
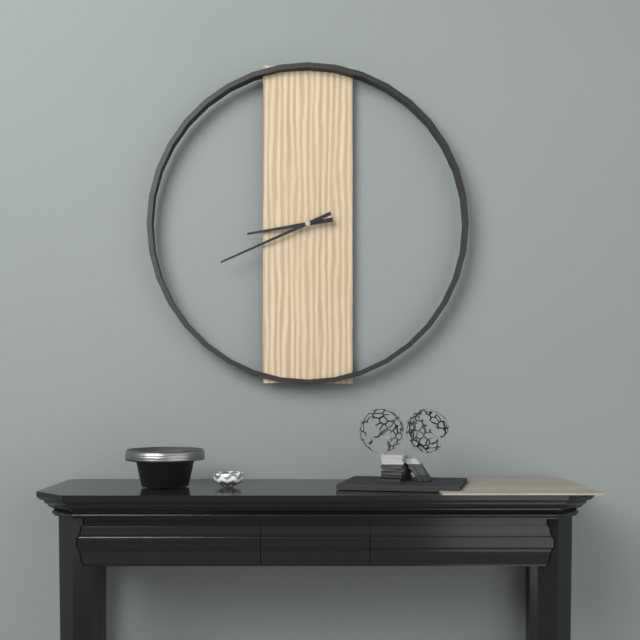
8 h 41 min
